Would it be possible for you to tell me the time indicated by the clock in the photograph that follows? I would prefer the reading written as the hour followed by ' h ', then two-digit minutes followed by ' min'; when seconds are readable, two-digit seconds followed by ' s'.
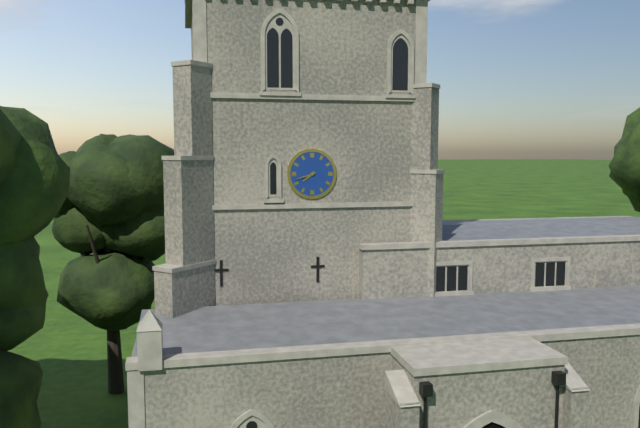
7 h 42 min
